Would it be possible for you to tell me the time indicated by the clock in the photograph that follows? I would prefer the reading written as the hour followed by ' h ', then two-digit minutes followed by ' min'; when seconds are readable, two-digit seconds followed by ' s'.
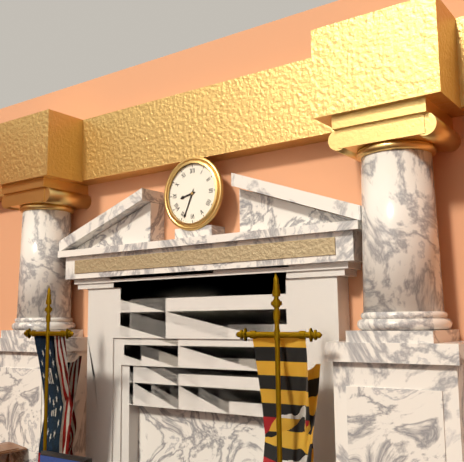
8 h 34 min
